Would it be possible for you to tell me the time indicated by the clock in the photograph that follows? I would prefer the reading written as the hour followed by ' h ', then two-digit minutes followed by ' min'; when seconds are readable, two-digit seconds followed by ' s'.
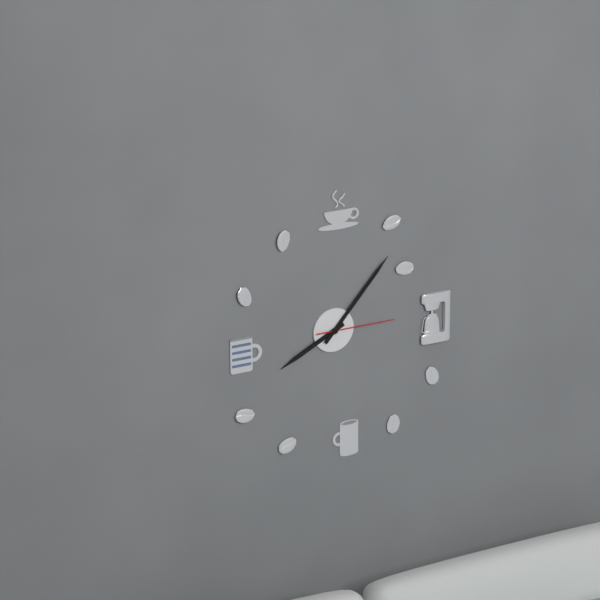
8 h 07 min 15 s
